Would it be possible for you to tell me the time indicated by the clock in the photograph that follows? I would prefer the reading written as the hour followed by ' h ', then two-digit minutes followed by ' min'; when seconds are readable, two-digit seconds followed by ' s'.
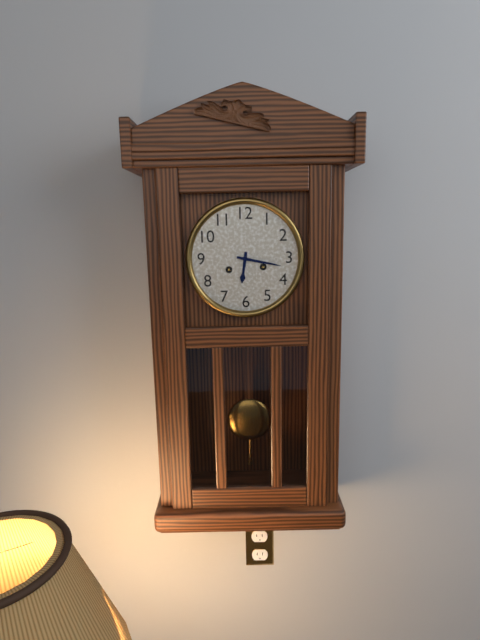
6 h 17 min
